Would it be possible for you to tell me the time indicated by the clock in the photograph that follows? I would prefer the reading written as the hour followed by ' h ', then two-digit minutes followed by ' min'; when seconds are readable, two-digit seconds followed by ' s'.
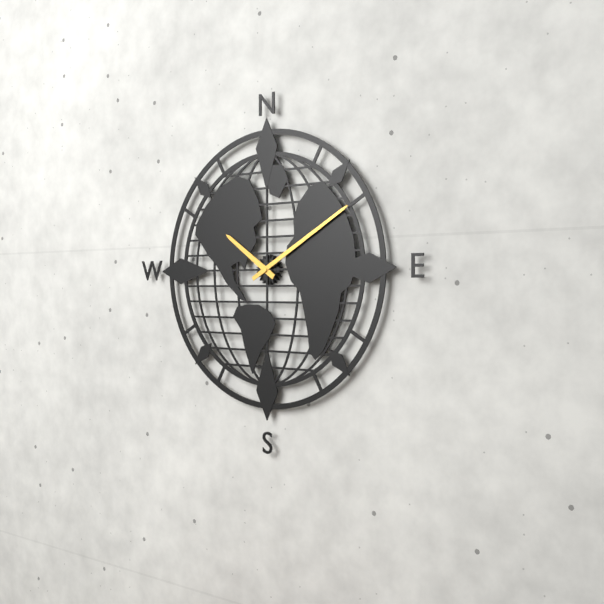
10 h 10 min
